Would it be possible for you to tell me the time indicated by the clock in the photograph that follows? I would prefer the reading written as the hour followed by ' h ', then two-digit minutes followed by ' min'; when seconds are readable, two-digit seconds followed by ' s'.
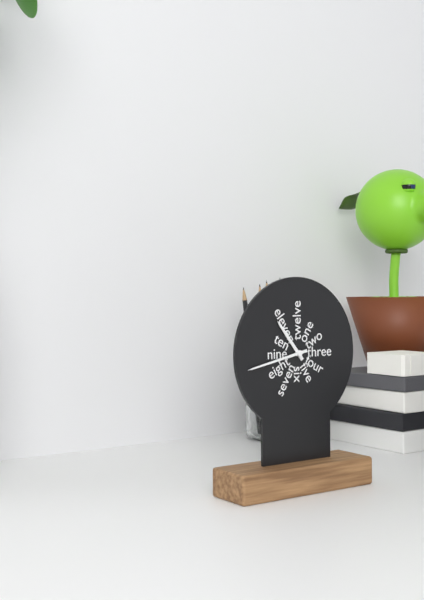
10 h 43 min
